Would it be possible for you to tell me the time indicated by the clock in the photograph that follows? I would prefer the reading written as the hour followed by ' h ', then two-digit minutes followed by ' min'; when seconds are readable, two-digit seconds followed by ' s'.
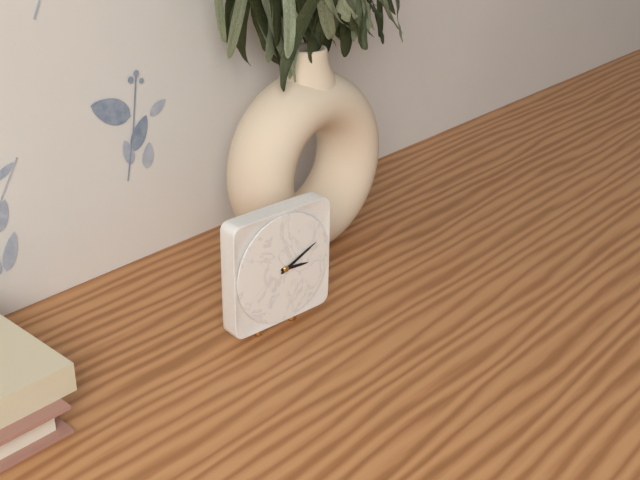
3 h 11 min
